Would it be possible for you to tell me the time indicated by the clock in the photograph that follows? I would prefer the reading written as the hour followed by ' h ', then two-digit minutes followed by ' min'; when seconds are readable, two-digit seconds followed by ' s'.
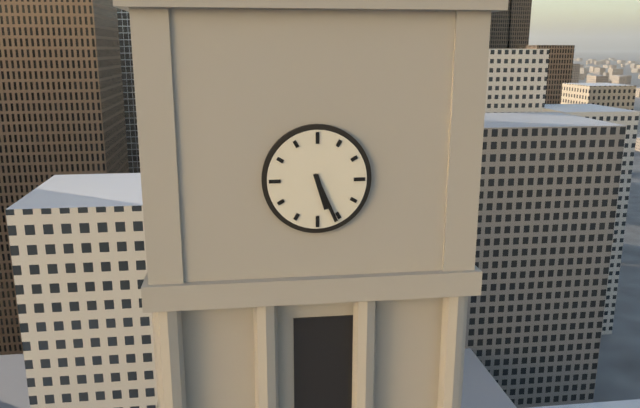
5 h 26 min
